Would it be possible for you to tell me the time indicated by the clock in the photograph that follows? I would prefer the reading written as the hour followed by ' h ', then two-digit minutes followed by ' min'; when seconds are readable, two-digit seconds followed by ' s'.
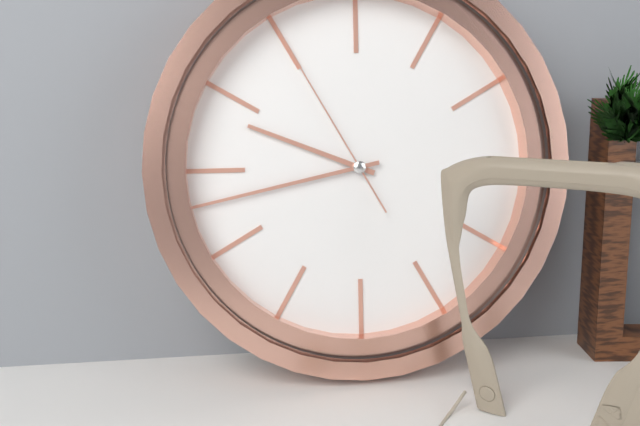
9 h 43 min 55 s
